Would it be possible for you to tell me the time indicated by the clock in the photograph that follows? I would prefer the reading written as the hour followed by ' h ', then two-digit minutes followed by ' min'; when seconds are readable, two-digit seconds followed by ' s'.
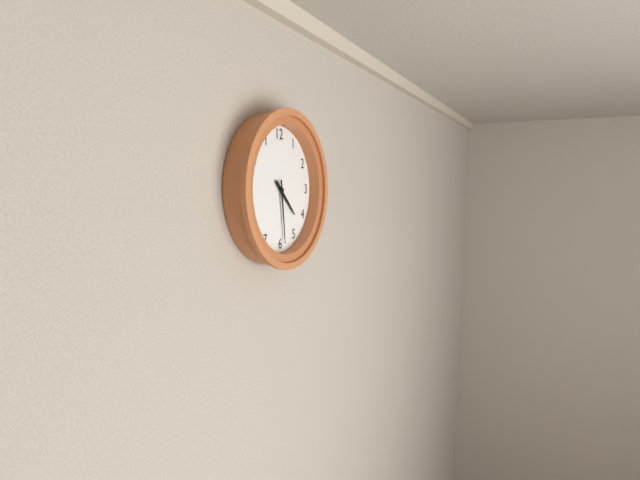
4 h 29 min
